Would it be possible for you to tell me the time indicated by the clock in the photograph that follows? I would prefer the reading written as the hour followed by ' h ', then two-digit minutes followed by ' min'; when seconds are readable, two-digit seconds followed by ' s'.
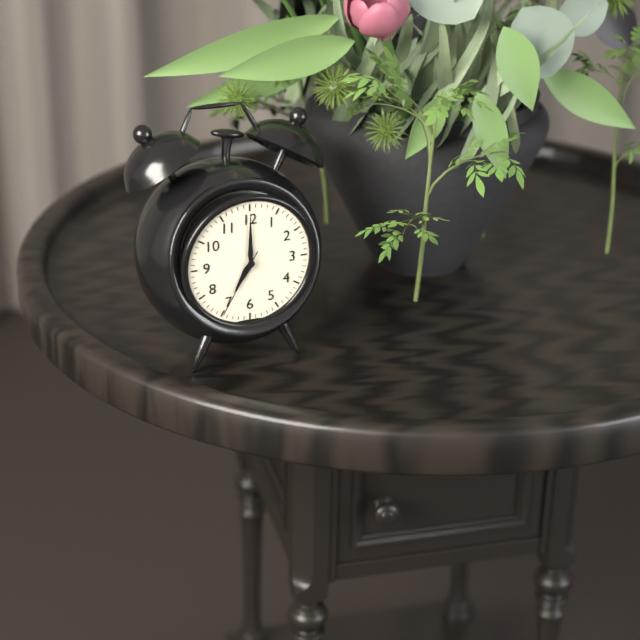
7 h 00 min 35 s
